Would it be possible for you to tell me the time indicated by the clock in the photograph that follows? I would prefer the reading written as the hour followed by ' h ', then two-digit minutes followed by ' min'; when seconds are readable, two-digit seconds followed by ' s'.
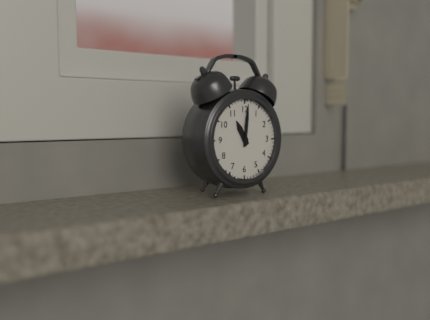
11 h 01 min
